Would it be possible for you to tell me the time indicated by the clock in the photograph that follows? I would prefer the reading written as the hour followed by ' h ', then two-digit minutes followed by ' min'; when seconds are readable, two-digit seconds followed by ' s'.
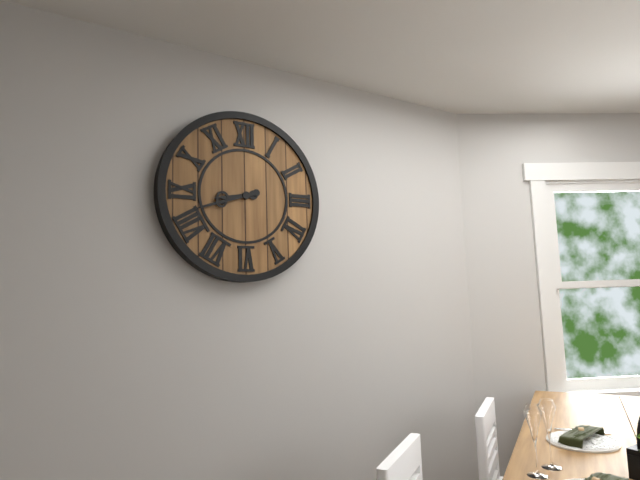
8 h 42 min
